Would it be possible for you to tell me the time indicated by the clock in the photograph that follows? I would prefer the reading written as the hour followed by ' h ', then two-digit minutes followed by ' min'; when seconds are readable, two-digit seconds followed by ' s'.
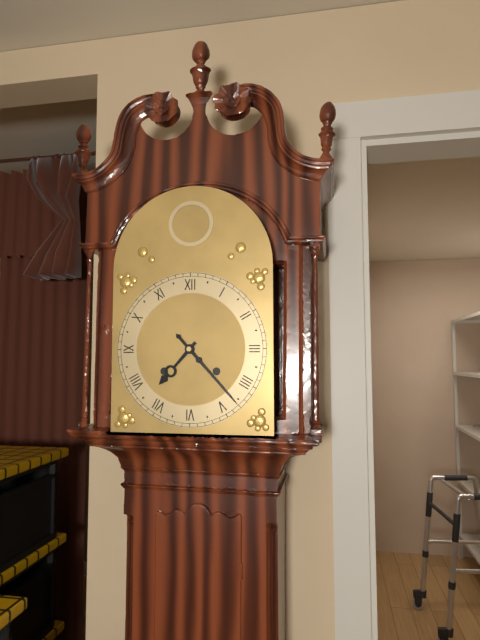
7 h 23 min
